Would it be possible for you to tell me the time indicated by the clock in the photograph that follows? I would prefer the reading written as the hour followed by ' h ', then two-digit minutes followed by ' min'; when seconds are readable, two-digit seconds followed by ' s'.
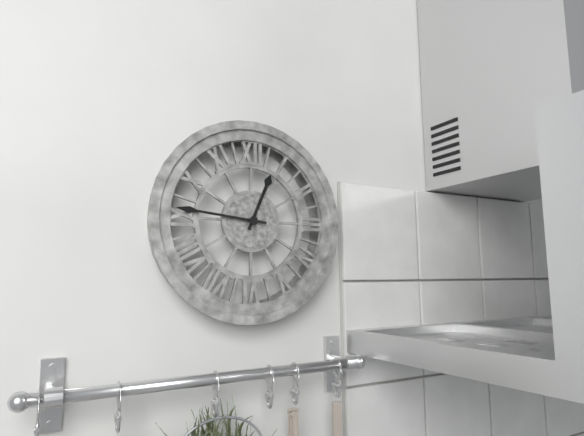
12 h 46 min
